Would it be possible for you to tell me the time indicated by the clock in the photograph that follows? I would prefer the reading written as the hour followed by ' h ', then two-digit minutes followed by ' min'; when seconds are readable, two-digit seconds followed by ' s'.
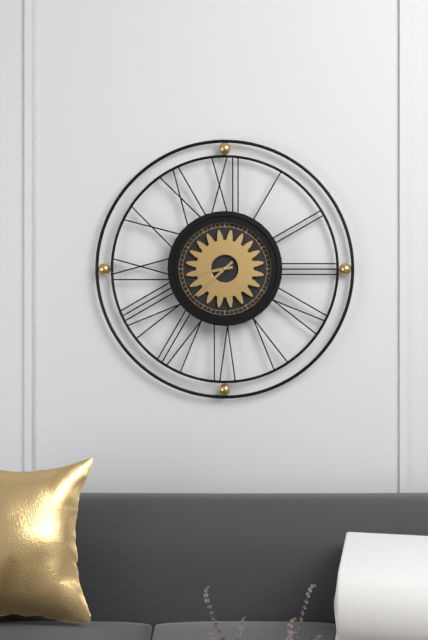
8 h 38 min
